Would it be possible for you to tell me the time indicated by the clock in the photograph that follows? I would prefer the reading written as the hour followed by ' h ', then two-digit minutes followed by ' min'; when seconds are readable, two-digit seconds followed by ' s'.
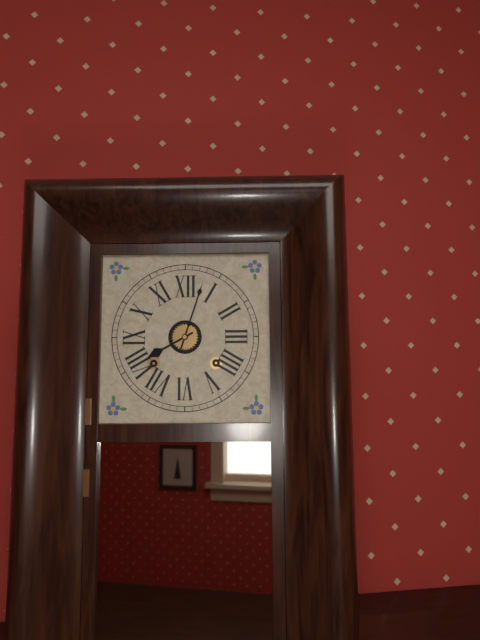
8 h 03 min
